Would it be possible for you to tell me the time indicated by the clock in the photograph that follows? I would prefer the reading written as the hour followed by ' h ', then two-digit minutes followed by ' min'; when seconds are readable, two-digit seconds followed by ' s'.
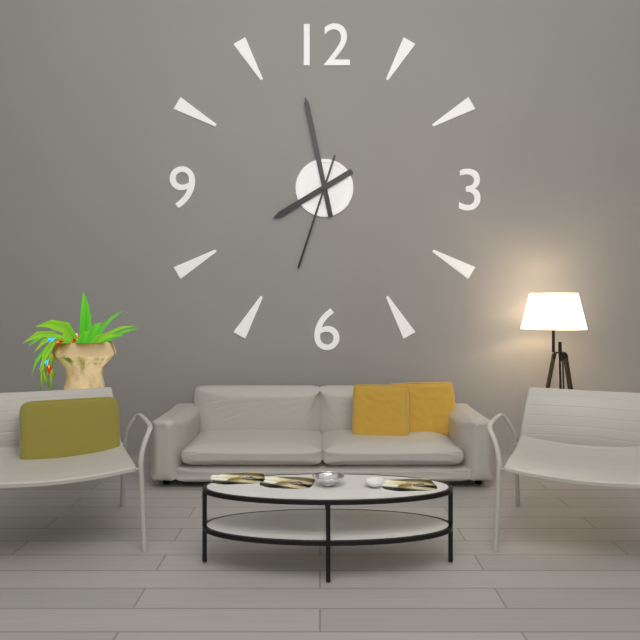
7 h 58 min 33 s
